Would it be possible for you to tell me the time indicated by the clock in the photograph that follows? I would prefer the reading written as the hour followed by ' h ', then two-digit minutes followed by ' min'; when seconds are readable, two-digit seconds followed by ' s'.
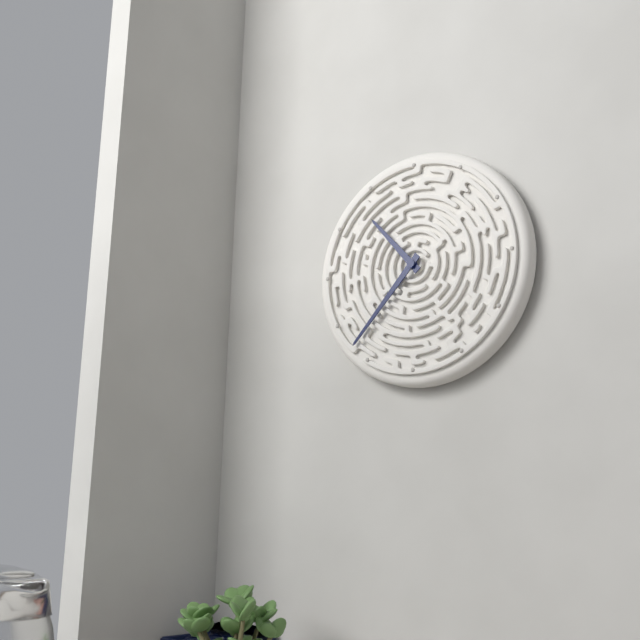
10 h 37 min
